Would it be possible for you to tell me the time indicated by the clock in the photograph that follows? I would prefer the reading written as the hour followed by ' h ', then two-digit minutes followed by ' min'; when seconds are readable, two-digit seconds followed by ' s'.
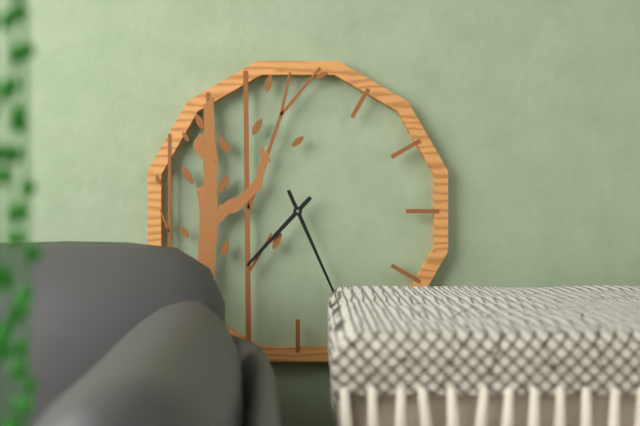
7 h 26 min
